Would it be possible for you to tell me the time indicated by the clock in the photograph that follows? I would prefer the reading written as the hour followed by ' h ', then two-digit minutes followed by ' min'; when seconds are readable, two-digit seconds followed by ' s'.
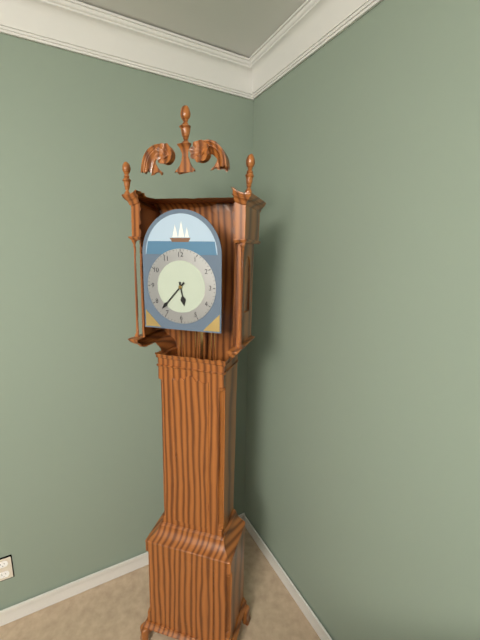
5 h 37 min
